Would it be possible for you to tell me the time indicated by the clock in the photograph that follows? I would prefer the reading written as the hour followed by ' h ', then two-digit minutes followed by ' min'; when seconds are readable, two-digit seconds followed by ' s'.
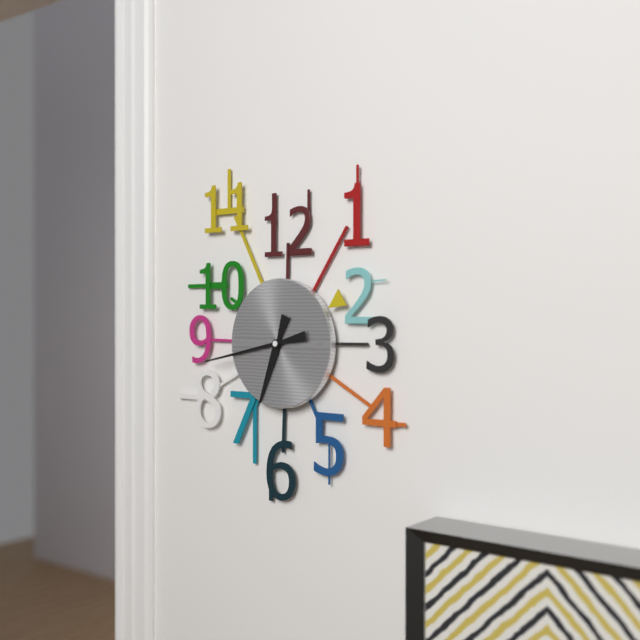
6 h 43 min
